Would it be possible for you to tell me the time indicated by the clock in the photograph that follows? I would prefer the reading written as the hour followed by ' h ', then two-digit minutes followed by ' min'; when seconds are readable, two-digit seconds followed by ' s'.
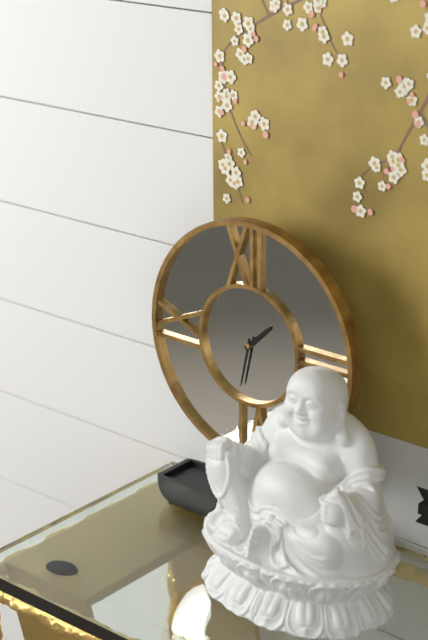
1 h 32 min
